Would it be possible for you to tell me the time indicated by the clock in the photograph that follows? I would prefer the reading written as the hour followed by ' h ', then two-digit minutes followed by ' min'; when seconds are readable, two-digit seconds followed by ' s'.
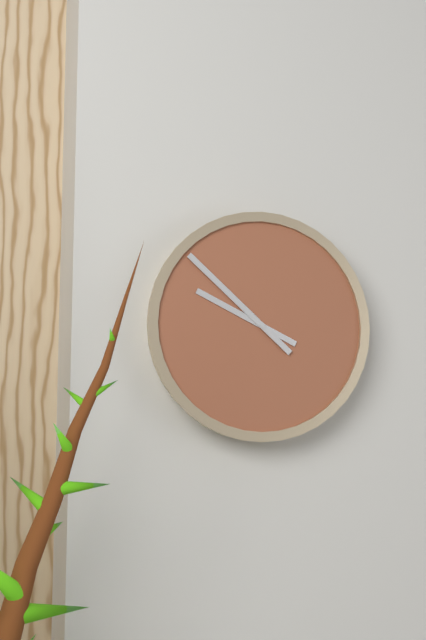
9 h 52 min
